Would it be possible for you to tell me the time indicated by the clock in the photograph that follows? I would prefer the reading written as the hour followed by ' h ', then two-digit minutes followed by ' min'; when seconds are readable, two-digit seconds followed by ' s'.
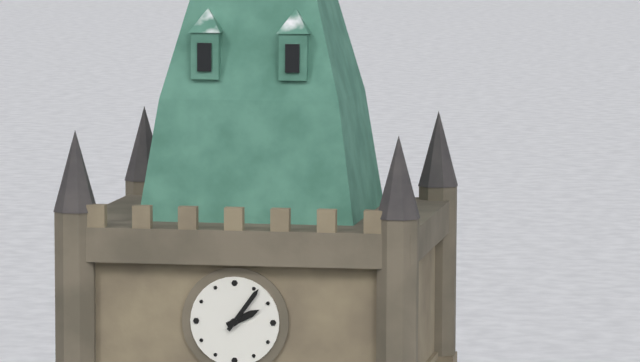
2 h 06 min
